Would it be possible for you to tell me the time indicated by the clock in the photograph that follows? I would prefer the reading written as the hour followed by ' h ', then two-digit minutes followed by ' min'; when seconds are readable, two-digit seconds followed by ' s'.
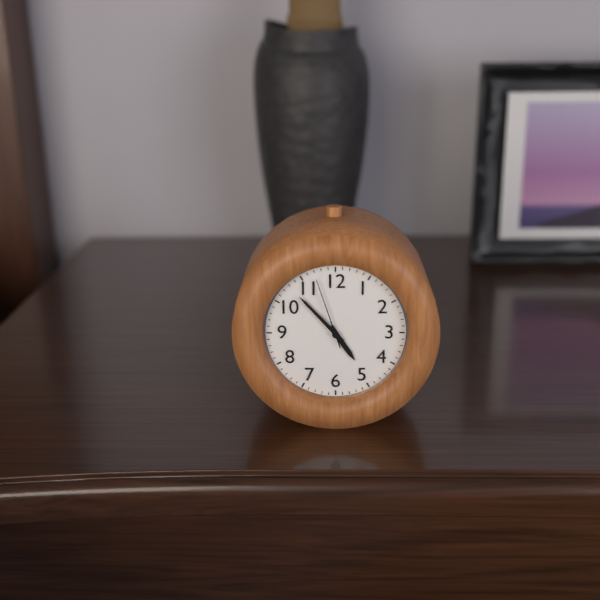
4 h 53 min 57 s
